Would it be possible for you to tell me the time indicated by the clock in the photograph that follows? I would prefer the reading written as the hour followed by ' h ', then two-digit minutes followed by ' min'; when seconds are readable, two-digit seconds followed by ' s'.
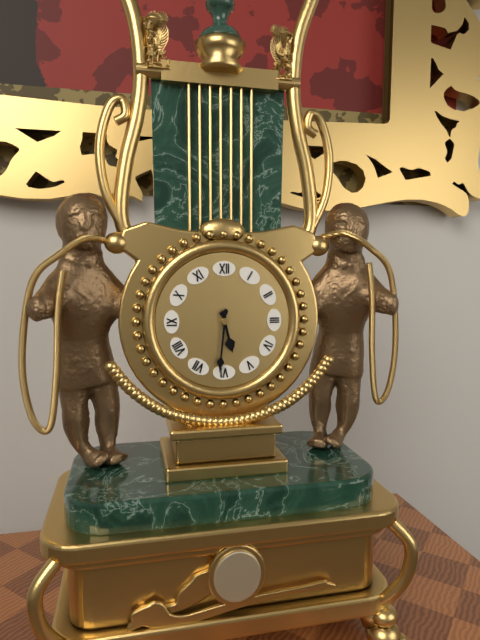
5 h 31 min
